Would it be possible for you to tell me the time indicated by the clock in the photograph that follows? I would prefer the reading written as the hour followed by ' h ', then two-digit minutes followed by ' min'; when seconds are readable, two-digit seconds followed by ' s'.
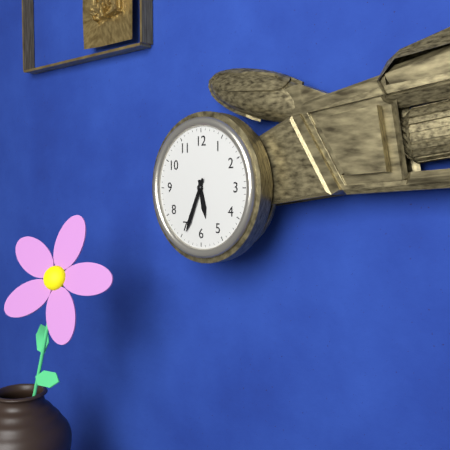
5 h 34 min
